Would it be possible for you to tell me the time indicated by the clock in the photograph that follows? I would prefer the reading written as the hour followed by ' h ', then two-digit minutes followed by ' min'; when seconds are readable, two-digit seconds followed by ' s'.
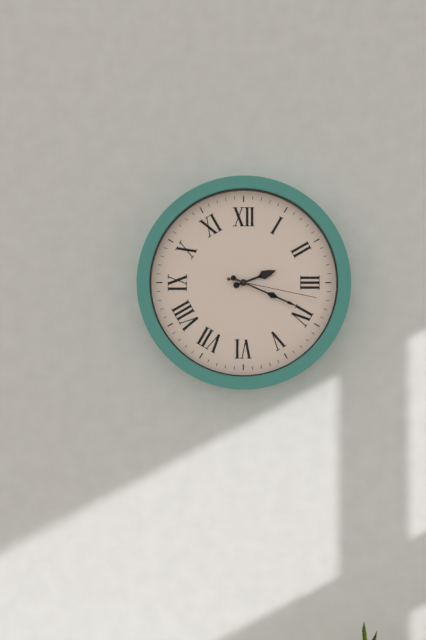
2 h 19 min 17 s
